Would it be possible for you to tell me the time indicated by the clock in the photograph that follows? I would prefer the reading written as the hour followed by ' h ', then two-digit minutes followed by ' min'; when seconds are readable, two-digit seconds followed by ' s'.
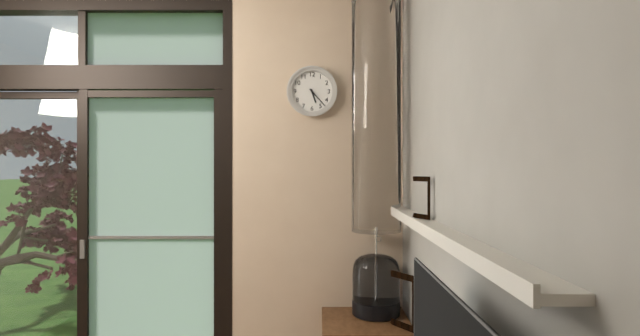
5 h 23 min
